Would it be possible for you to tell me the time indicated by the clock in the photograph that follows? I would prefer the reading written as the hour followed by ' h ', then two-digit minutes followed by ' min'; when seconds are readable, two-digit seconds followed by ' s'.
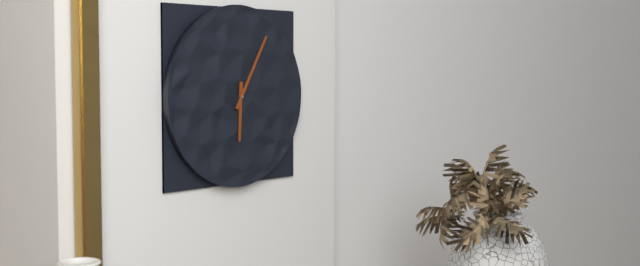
6 h 05 min
